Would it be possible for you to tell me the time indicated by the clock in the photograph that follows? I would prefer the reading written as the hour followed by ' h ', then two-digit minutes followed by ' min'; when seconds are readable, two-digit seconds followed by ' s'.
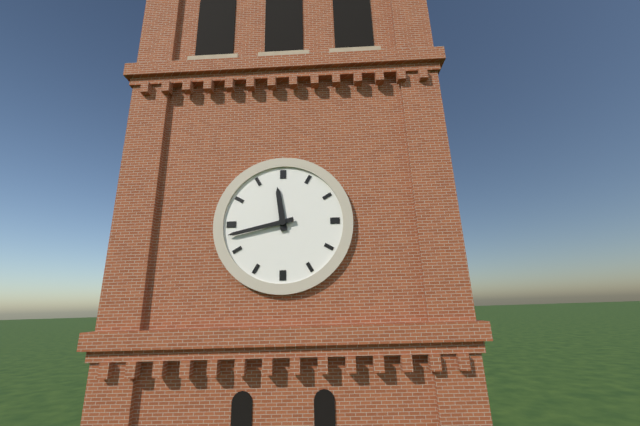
11 h 43 min
